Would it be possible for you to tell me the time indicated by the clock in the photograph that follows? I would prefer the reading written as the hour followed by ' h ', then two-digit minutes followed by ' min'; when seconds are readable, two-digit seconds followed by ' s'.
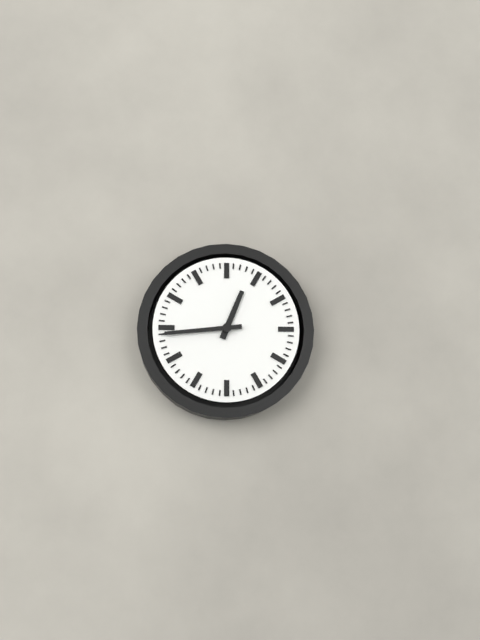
12 h 44 min
